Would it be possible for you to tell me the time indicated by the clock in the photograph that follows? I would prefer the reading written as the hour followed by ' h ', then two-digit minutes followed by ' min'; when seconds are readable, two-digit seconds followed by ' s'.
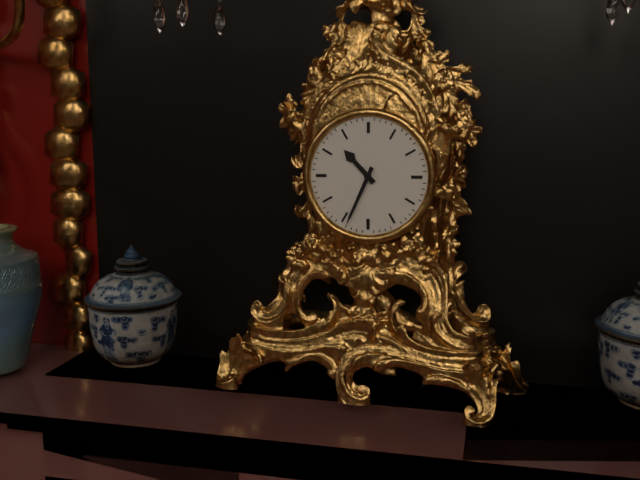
10 h 34 min
